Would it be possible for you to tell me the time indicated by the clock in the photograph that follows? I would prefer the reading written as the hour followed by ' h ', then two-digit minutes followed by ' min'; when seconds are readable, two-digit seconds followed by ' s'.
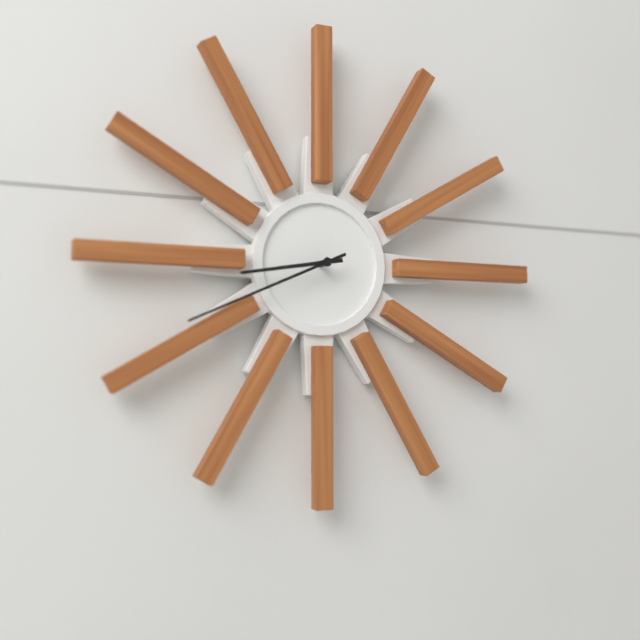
8 h 41 min
